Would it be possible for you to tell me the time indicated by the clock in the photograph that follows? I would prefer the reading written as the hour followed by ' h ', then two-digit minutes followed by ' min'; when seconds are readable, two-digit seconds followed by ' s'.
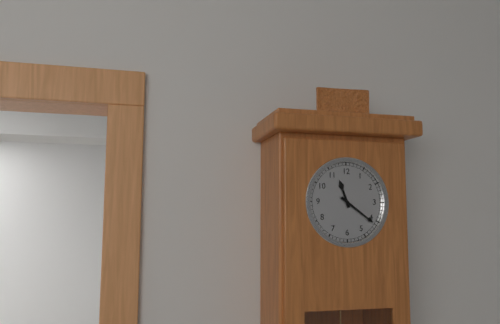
11 h 21 min
